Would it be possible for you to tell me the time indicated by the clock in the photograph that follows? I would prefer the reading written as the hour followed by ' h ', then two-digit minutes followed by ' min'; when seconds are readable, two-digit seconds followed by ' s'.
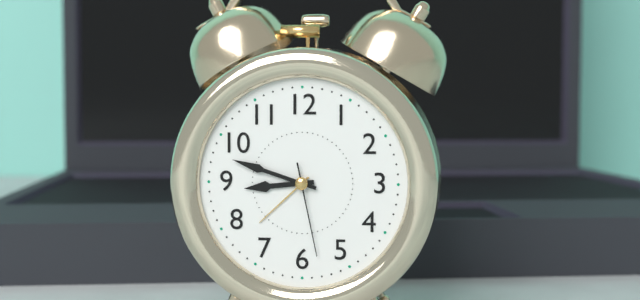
8 h 48 min 28 s
